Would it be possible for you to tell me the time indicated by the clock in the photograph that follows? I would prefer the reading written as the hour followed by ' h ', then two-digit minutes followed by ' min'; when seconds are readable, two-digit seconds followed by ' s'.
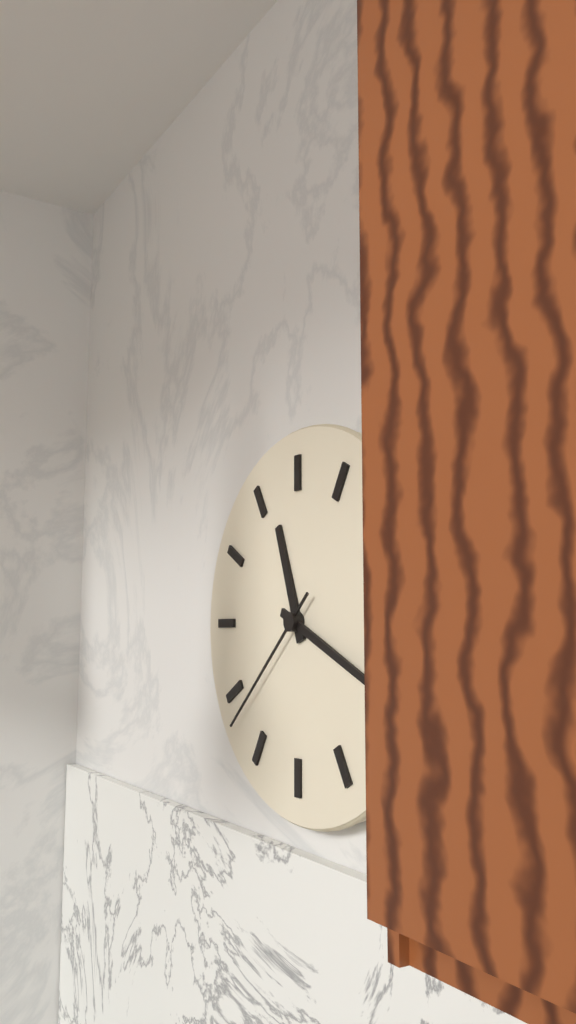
11 h 19 min 38 s
